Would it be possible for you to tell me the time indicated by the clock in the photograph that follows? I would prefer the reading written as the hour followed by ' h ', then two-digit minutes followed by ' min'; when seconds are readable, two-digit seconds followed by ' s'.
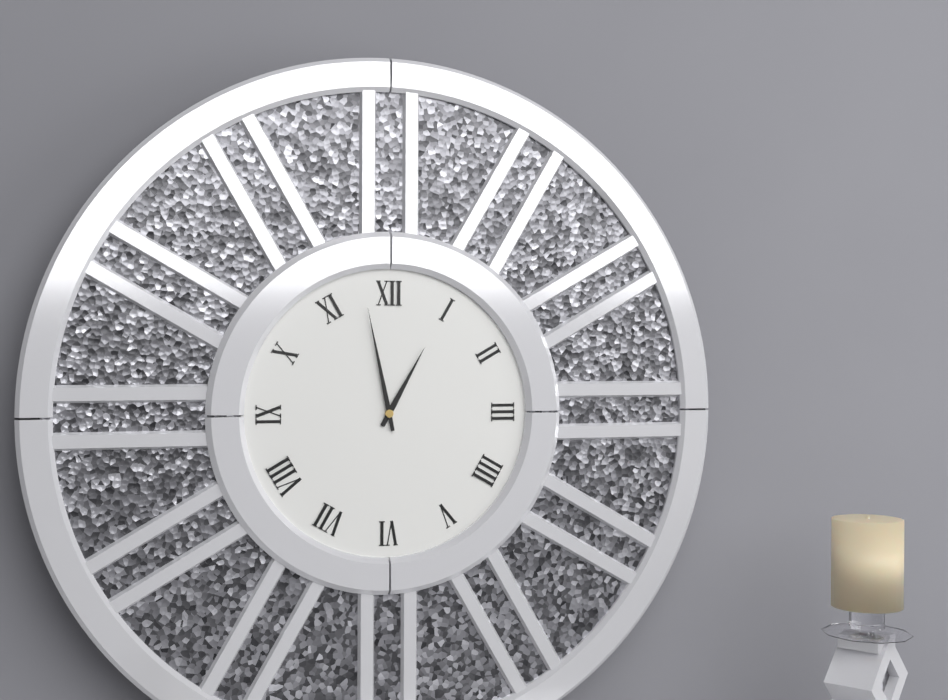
12 h 58 min
